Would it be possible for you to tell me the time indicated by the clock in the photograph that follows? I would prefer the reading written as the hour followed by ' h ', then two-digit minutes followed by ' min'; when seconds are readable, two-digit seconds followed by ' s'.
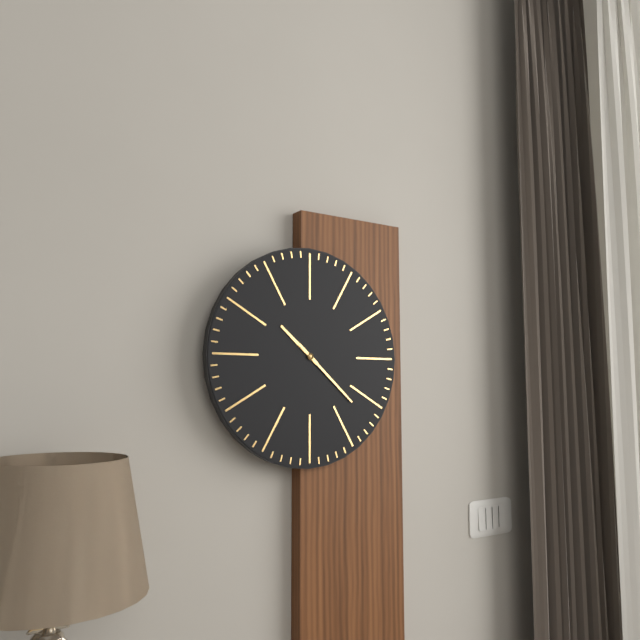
10 h 22 min
